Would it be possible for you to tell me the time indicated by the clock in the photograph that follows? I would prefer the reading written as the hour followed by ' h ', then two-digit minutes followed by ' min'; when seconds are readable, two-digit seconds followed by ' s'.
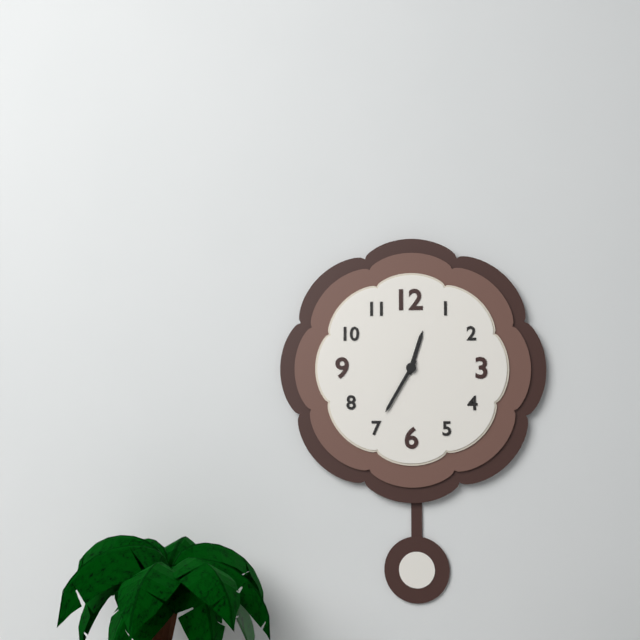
12 h 35 min
